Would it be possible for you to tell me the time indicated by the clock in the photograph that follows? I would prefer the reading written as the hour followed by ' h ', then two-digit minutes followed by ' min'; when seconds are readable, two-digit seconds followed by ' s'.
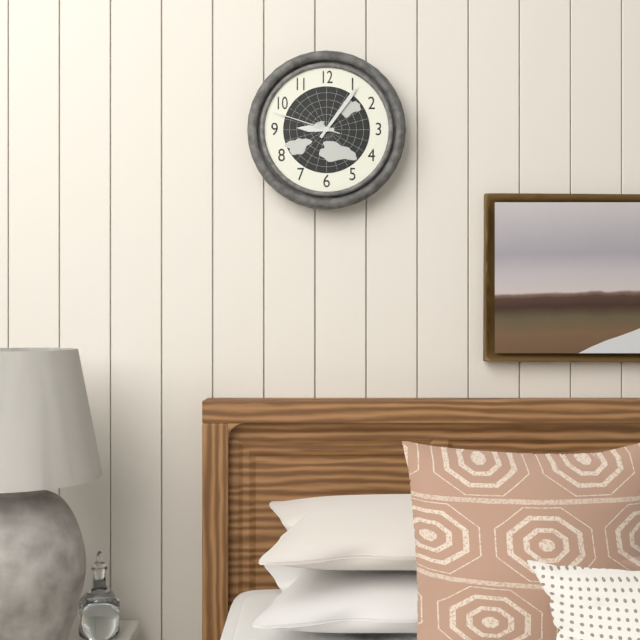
9 h 06 min 48 s
